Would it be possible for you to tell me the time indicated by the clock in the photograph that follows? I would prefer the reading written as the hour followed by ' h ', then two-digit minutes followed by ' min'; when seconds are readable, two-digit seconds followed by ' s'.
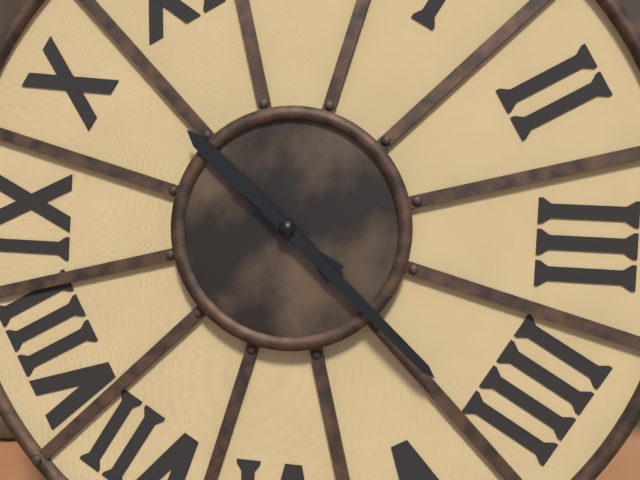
10 h 22 min
